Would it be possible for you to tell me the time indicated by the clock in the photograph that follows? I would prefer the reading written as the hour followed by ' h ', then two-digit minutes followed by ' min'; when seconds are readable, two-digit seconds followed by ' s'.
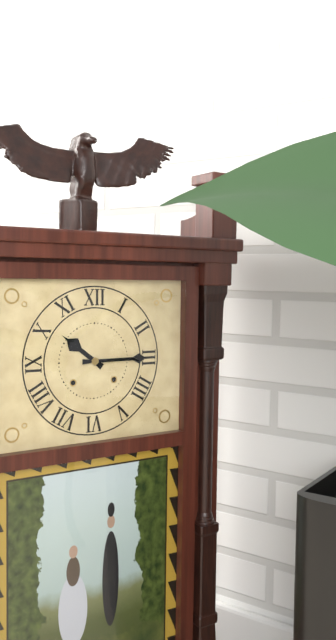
10 h 15 min
